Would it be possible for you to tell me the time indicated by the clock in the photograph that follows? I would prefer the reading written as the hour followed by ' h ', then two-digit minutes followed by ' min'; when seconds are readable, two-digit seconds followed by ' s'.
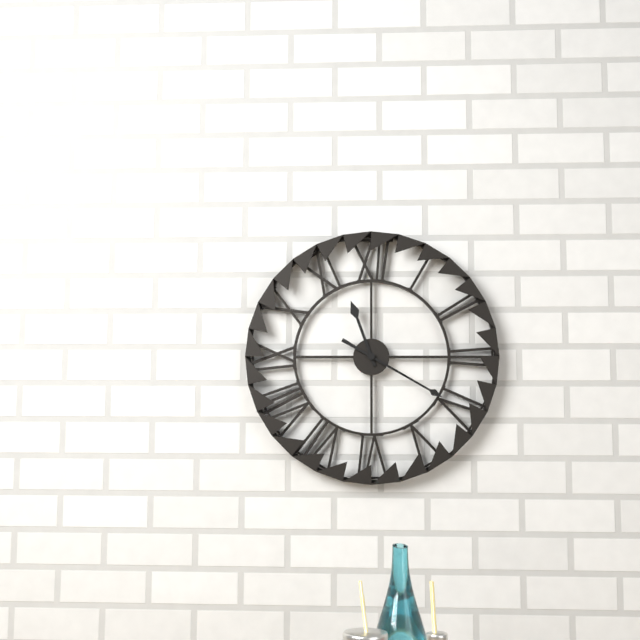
11 h 20 min
